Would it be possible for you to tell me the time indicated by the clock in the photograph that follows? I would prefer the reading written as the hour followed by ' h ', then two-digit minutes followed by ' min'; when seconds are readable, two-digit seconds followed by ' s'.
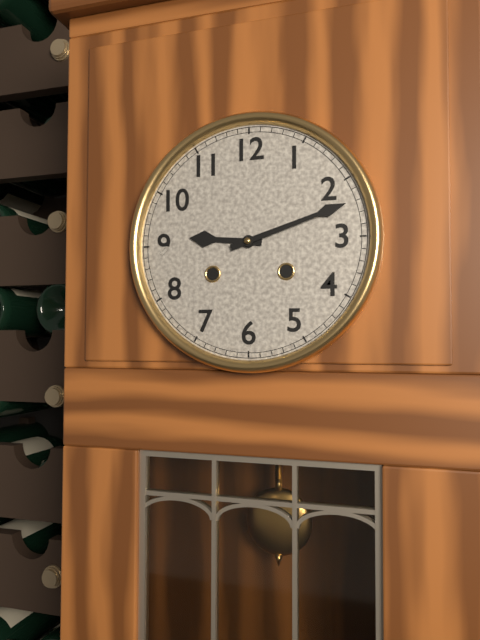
9 h 12 min
